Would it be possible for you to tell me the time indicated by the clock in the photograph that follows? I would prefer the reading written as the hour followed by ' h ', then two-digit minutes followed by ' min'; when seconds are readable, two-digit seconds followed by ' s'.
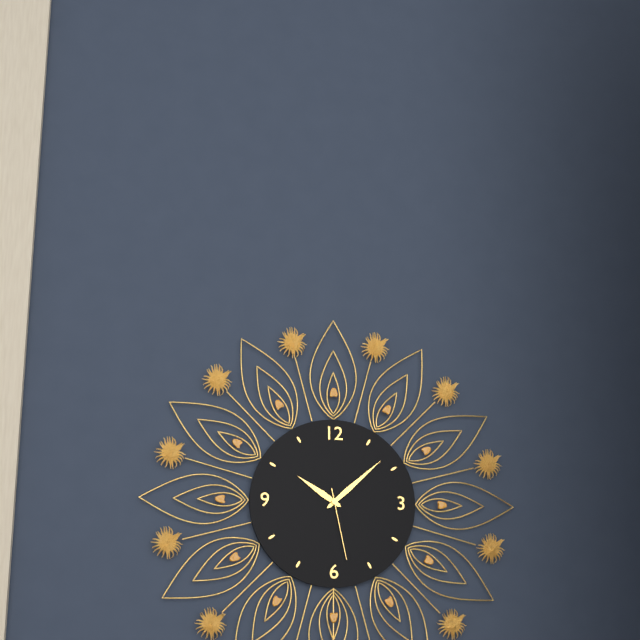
10 h 08 min 28 s
